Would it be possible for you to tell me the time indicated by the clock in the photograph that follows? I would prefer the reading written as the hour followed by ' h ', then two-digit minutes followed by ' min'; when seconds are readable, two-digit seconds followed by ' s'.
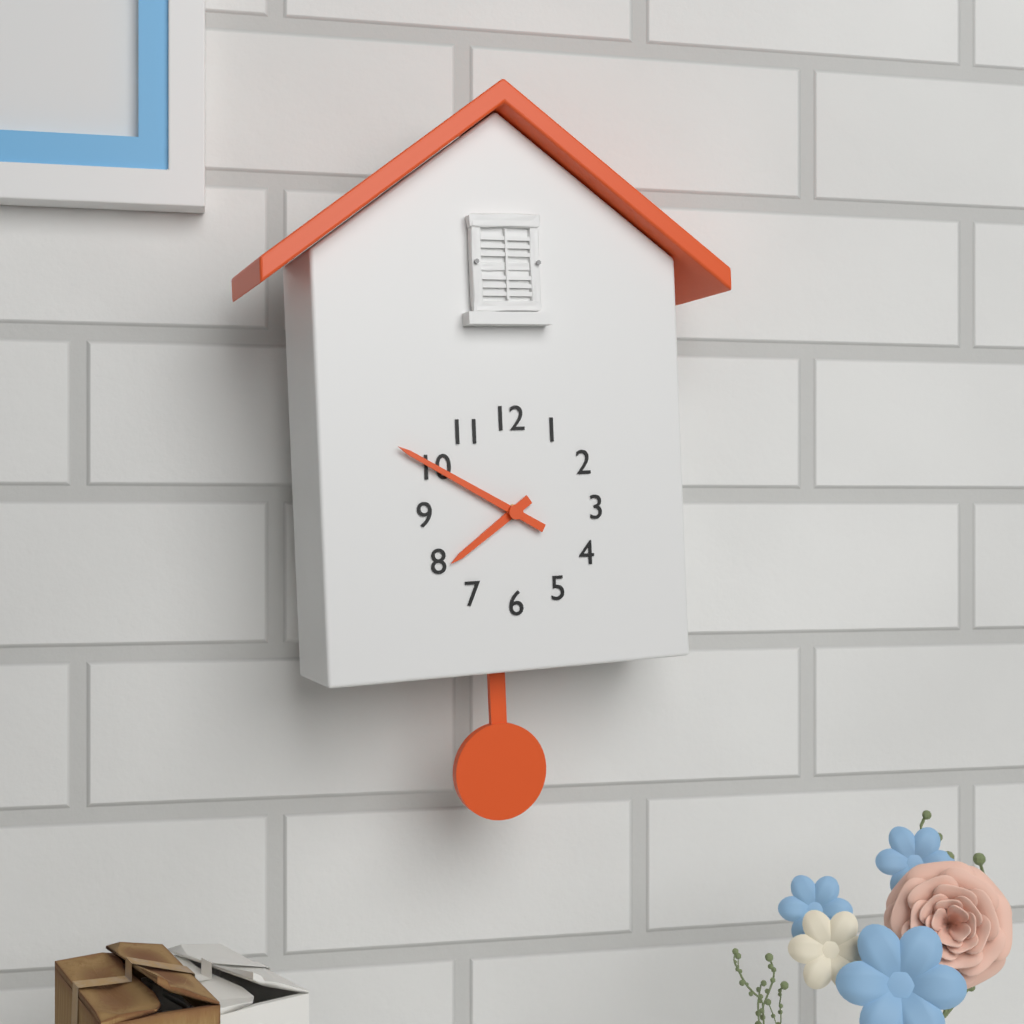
7 h 50 min
